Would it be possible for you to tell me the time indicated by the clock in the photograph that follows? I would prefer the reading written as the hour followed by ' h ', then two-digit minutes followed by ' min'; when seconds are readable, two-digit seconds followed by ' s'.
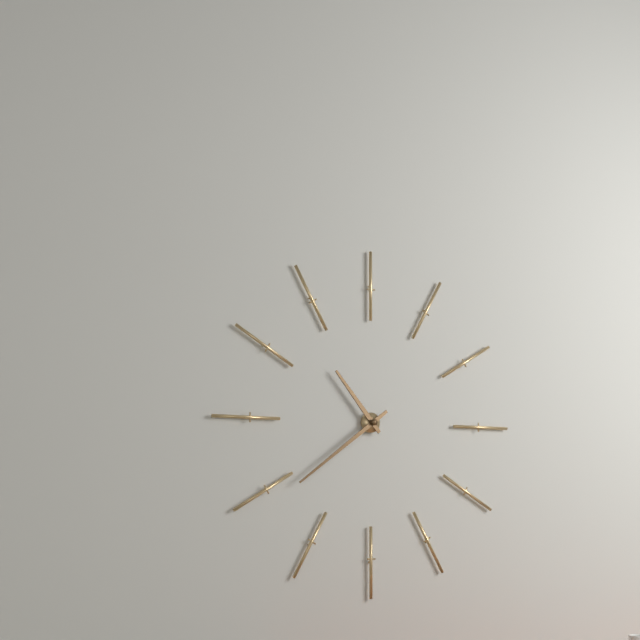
10 h 39 min
